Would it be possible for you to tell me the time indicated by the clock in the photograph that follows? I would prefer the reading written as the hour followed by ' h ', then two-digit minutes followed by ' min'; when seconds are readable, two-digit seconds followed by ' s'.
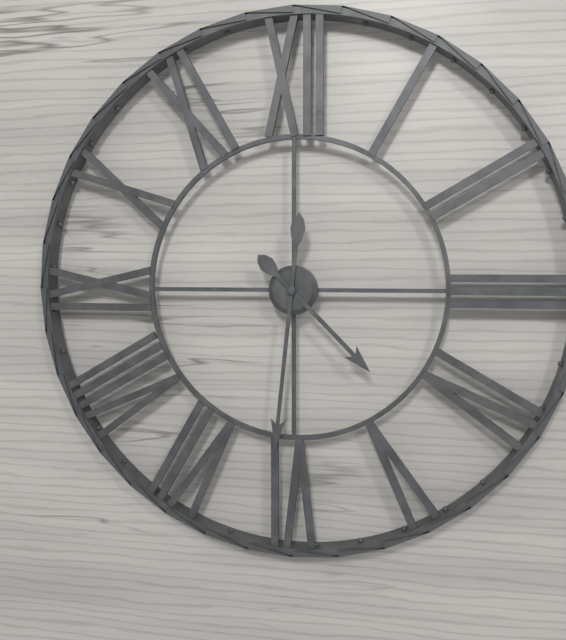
4 h 31 min
